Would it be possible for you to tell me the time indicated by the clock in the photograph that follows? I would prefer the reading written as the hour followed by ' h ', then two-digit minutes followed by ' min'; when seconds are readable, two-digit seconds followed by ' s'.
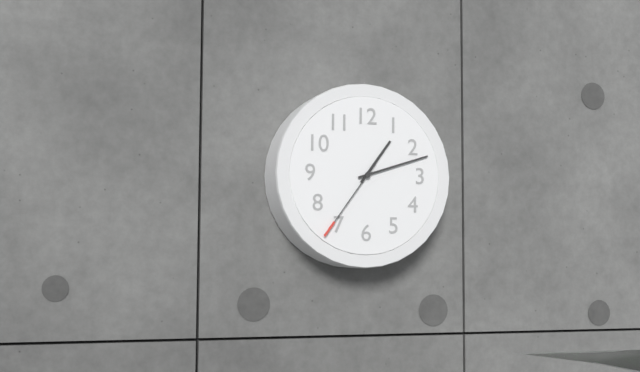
1 h 12 min 36 s
